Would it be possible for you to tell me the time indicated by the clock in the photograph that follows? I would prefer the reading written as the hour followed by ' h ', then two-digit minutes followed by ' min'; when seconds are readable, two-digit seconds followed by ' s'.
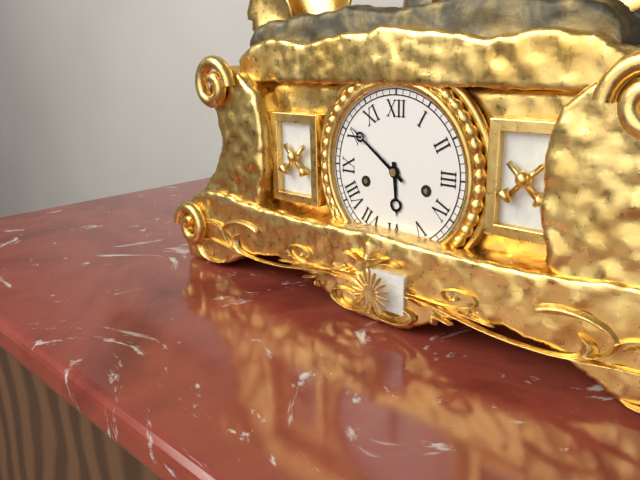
5 h 51 min
